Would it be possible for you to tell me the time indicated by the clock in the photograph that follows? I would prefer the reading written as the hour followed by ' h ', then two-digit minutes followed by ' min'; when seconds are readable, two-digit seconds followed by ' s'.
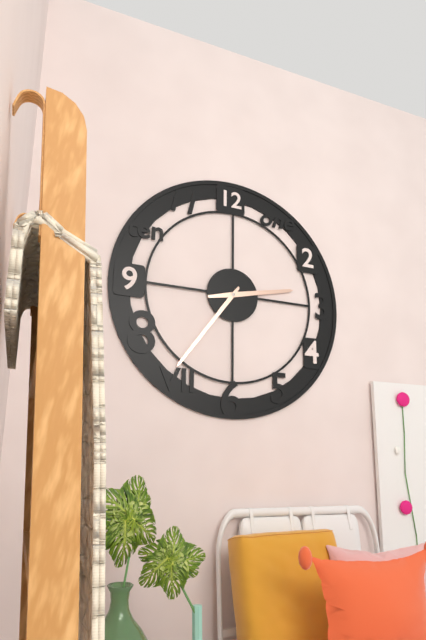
2 h 36 min
